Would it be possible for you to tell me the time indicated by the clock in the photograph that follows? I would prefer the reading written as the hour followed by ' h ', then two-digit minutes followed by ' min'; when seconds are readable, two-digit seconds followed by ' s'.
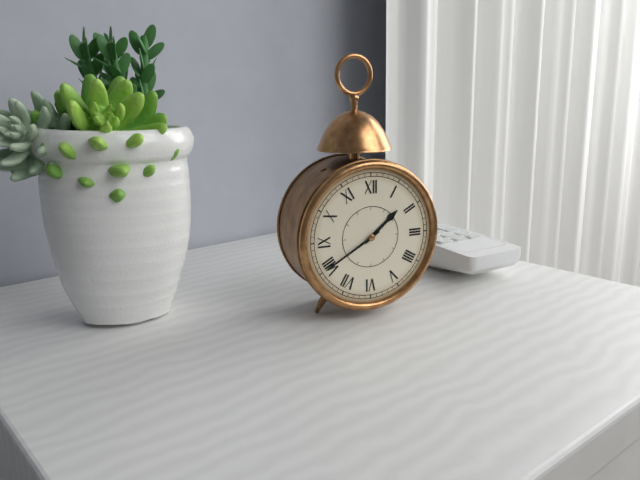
1 h 40 min
